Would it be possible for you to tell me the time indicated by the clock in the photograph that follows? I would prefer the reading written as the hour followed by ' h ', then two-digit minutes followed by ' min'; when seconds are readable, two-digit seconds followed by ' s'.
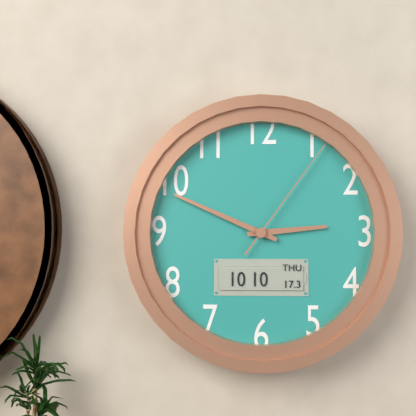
2 h 49 min 06 s
